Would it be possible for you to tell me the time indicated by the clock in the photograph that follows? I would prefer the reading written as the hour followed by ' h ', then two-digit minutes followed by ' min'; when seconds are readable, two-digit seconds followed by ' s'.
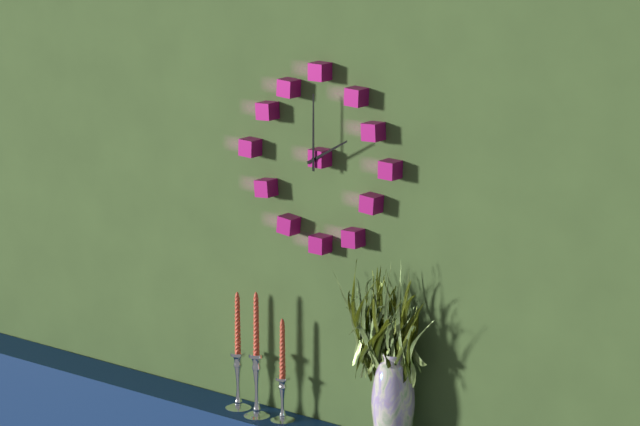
2 h 00 min
